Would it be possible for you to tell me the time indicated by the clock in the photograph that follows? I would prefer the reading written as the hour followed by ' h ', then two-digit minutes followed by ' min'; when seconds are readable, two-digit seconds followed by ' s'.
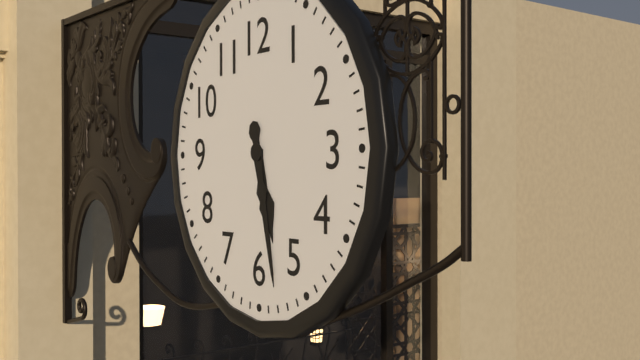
5 h 28 min
